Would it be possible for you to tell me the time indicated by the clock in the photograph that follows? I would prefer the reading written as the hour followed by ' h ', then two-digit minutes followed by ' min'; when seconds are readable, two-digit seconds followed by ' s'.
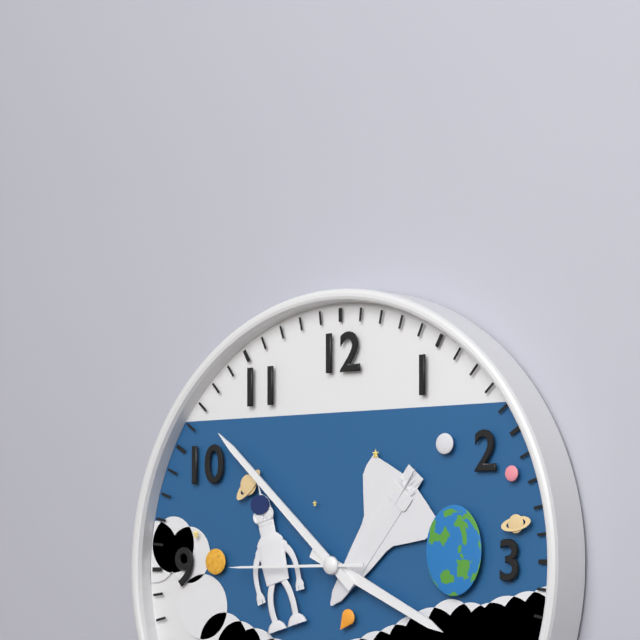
3 h 52 min 45 s
